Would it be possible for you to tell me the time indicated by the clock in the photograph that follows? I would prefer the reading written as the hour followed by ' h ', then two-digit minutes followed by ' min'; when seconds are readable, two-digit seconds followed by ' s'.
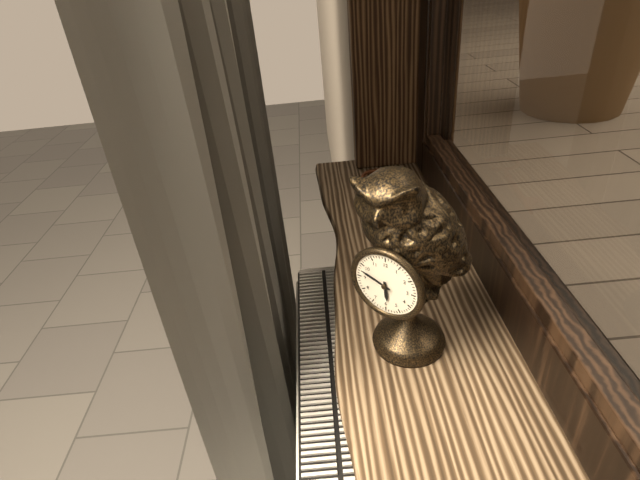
5 h 48 min
